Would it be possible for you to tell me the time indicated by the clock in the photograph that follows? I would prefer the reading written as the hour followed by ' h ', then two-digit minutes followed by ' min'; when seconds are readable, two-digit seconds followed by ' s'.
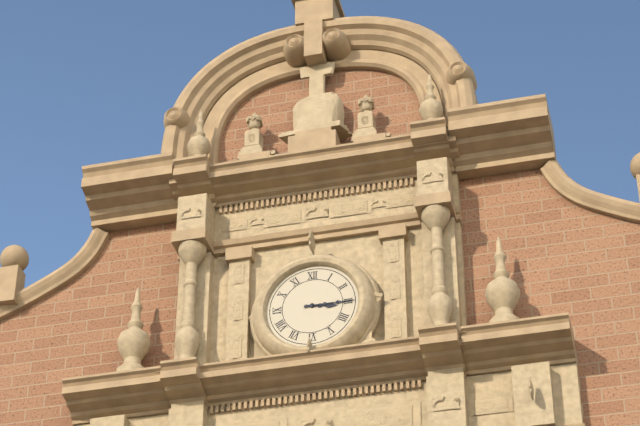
3 h 15 min
